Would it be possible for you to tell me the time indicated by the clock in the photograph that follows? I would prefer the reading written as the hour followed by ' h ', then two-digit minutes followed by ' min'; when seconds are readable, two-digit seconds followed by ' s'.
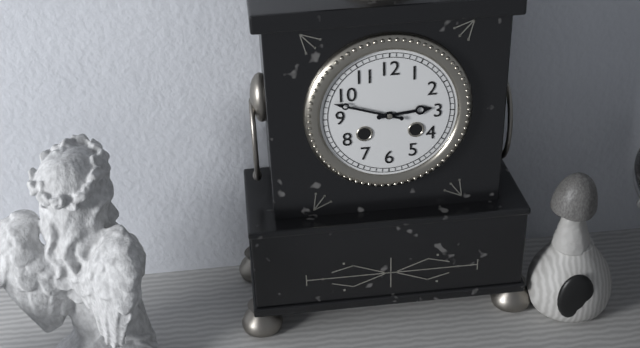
2 h 48 min
